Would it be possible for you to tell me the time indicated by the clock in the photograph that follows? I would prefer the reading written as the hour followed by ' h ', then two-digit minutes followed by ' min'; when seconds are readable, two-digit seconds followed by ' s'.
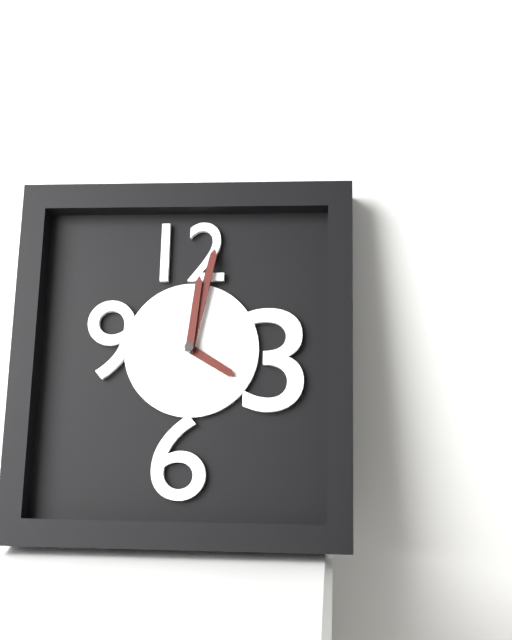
4 h 02 min 01 s
